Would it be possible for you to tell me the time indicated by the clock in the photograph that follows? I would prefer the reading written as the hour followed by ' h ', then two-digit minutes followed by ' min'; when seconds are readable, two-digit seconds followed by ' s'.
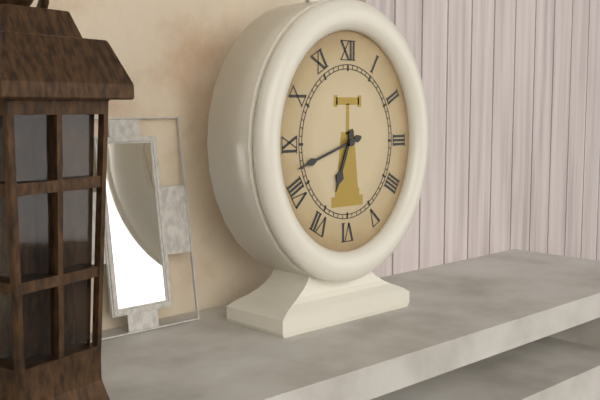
6 h 42 min
